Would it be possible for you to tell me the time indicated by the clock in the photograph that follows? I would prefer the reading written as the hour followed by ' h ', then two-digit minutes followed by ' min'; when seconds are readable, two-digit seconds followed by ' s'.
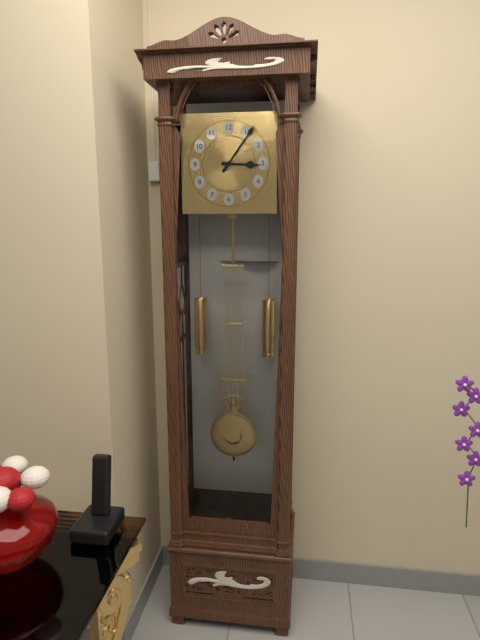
3 h 06 min
